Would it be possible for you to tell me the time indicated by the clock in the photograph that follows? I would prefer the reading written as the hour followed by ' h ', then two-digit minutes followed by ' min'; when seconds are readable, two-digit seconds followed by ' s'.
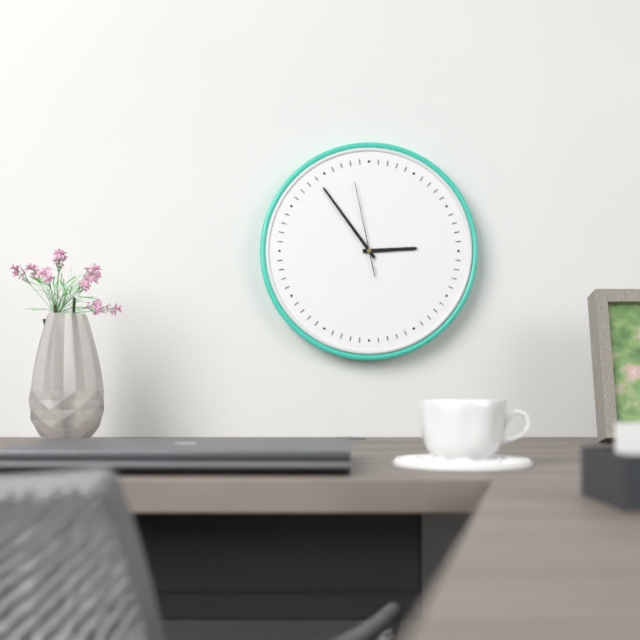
2 h 54 min 58 s
